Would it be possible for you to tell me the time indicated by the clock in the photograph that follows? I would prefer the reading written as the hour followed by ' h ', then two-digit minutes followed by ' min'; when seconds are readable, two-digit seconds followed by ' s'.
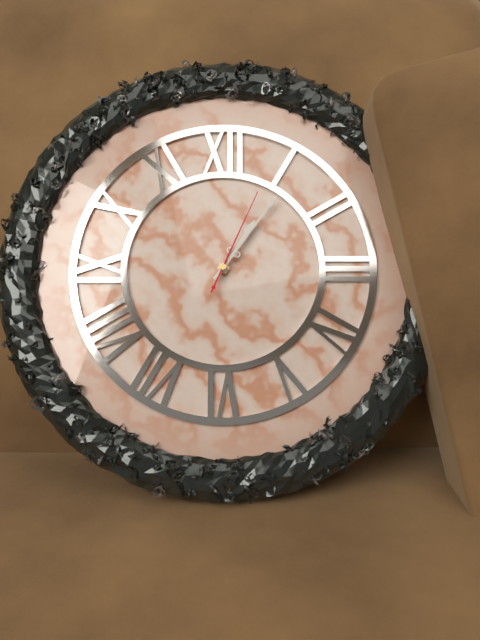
1 h 06 min 04 s
